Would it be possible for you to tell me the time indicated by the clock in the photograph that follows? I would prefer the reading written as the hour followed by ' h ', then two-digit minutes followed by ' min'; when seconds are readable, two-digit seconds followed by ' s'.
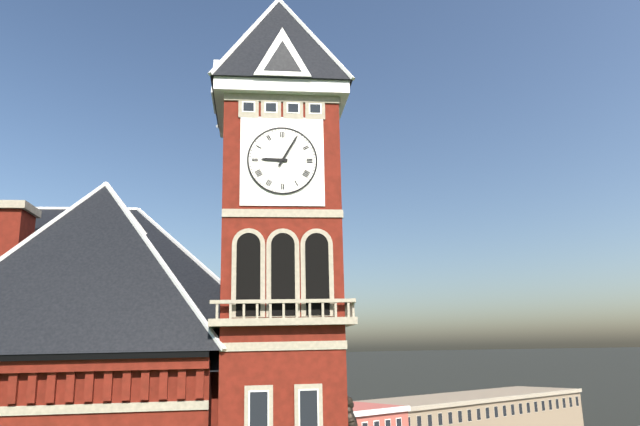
9 h 05 min
